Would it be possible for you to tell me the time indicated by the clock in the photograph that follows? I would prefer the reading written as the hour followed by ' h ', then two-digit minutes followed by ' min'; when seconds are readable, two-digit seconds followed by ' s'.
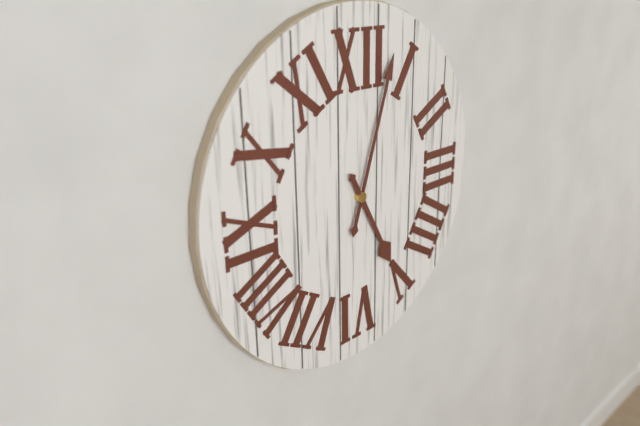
5 h 03 min
